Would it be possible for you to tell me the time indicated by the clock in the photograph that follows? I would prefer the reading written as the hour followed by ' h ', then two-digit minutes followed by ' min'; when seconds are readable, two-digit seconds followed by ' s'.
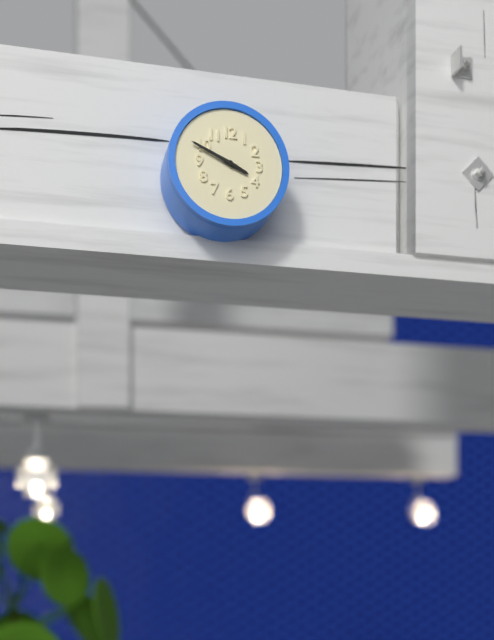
3 h 49 min
